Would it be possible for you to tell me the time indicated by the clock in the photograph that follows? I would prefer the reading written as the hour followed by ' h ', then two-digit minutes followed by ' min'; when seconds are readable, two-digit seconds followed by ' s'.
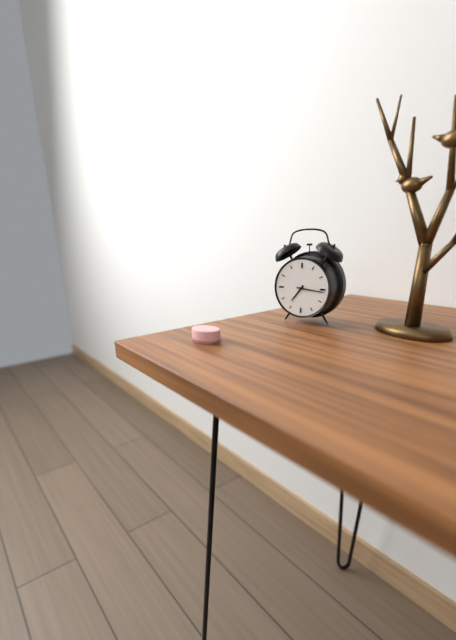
7 h 16 min
